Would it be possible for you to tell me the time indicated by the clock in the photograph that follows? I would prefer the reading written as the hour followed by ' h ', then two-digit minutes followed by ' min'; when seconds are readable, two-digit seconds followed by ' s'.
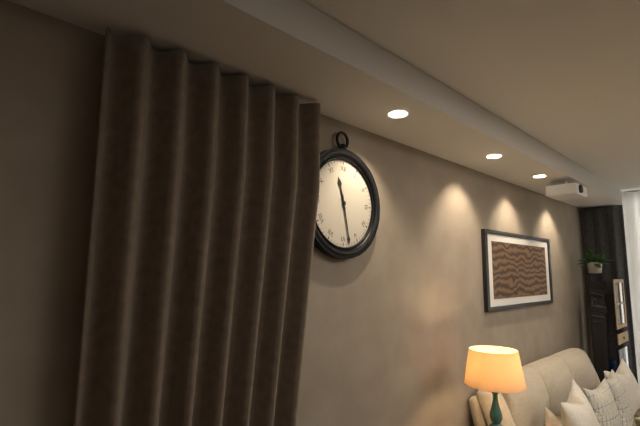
11 h 28 min
